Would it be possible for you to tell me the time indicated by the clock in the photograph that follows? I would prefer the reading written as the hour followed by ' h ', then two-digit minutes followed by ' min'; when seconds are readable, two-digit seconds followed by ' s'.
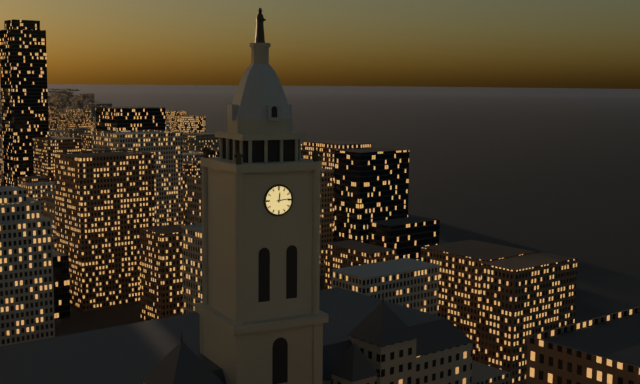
12 h 14 min
